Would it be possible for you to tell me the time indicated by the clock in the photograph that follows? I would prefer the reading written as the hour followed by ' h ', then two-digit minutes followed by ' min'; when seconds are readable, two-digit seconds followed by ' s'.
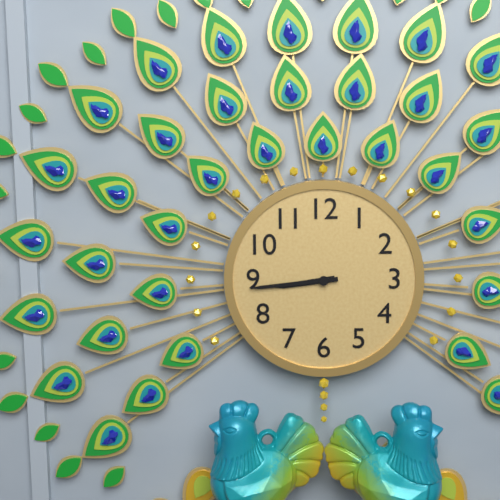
8 h 44 min
